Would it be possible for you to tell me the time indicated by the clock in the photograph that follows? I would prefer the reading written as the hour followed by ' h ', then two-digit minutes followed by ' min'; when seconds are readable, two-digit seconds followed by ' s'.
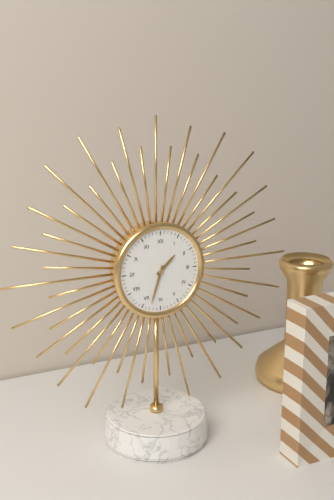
1 h 33 min
